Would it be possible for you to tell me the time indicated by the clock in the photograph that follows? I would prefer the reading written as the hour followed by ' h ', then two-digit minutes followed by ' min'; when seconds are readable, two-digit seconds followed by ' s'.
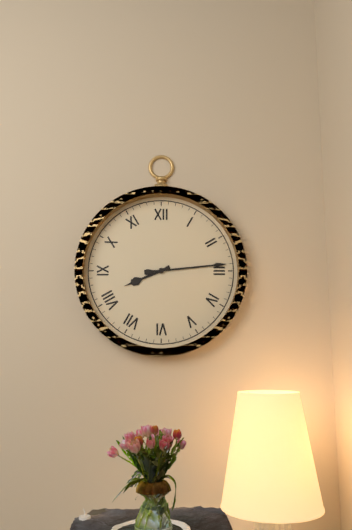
8 h 14 min
